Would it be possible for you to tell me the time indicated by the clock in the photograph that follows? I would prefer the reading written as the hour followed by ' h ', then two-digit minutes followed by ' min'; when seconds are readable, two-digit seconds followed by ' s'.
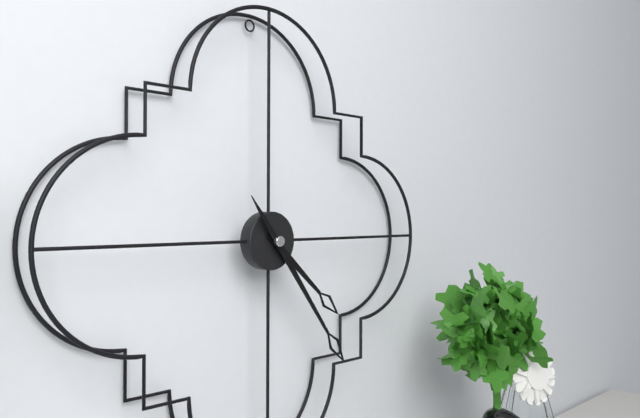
4 h 24 min
